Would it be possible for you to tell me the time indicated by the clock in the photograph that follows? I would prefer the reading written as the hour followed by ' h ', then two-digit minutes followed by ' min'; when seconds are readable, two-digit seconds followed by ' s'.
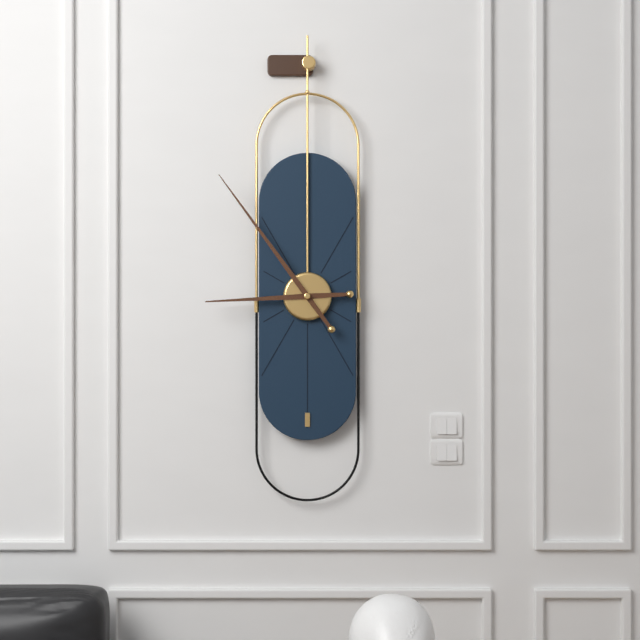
8 h 54 min
